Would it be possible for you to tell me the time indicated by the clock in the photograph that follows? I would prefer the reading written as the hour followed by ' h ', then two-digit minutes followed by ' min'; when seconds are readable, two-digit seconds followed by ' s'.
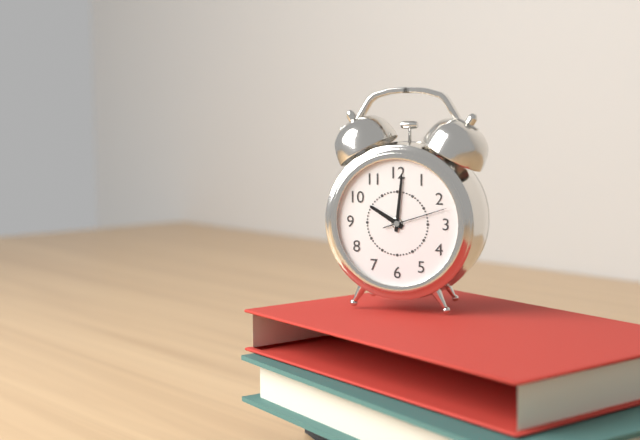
10 h 01 min 12 s
